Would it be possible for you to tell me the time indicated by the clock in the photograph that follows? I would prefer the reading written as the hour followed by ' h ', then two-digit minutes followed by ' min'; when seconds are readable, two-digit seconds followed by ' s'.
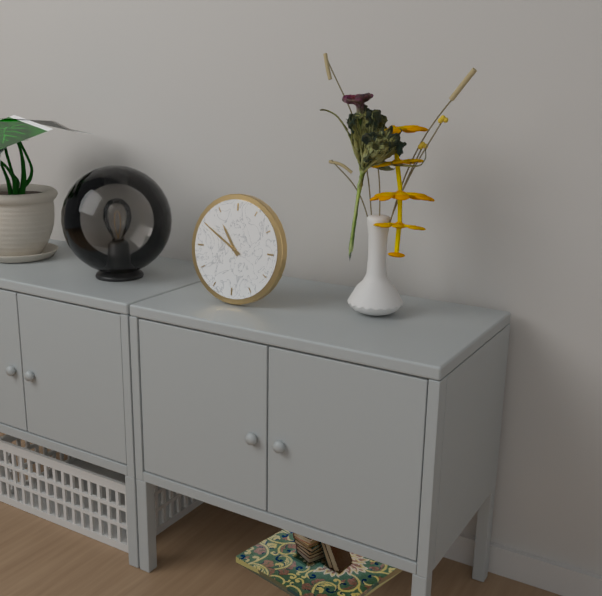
10 h 50 min
